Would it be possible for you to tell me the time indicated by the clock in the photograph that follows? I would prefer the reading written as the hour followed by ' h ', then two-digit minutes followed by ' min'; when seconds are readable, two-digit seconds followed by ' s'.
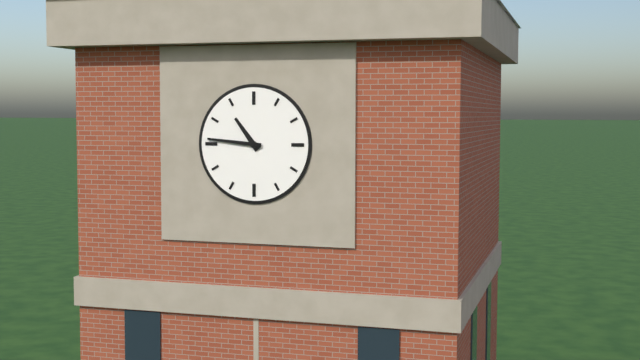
10 h 46 min
